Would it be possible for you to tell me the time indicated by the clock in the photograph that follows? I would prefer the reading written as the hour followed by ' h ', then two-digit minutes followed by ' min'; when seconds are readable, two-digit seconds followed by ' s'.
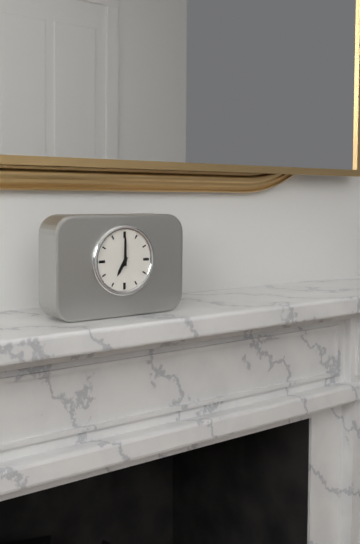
7 h 00 min
